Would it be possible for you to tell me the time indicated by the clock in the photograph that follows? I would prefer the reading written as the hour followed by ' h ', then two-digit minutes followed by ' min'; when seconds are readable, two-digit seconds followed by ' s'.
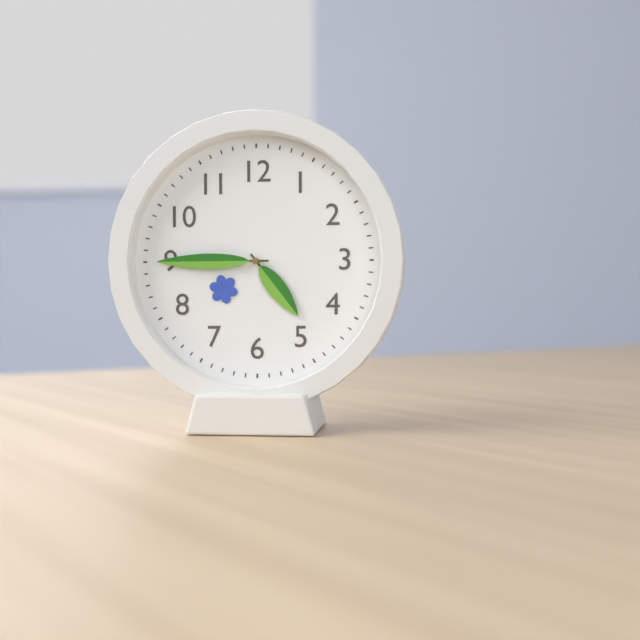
4 h 45 min
